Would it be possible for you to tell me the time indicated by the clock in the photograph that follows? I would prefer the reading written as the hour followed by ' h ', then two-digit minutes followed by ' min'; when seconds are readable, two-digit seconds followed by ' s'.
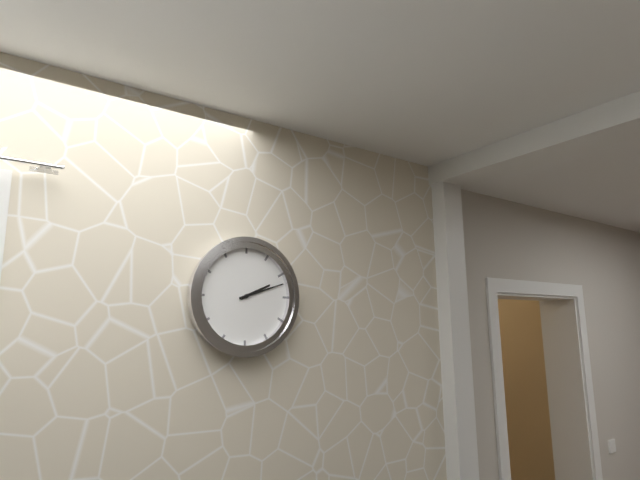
2 h 12 min
